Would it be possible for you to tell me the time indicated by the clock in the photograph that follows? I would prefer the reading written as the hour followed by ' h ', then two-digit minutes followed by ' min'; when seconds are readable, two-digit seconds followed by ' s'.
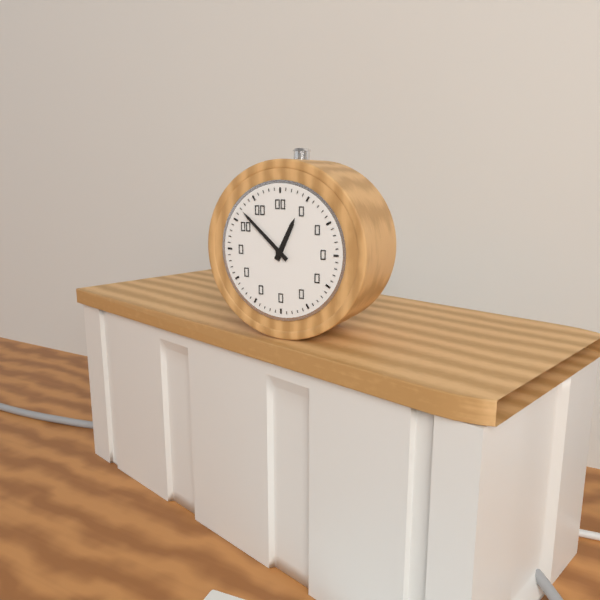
12 h 52 min
